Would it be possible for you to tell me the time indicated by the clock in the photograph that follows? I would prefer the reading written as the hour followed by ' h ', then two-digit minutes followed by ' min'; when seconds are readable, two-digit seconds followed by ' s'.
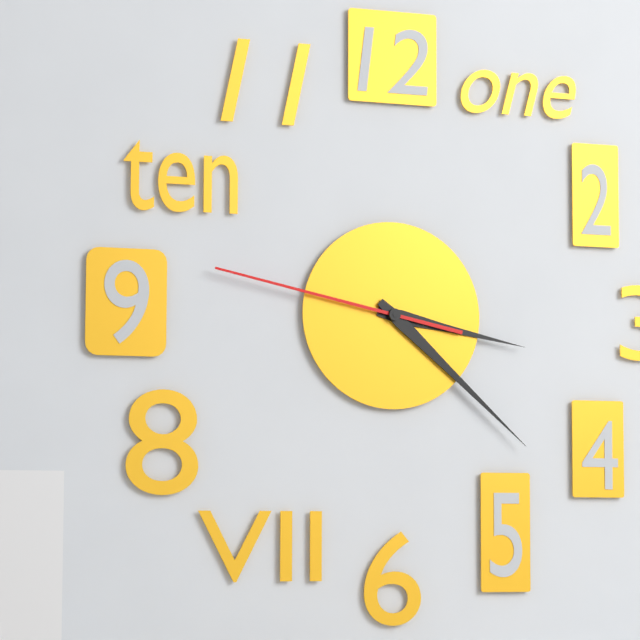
3 h 22 min 47 s
